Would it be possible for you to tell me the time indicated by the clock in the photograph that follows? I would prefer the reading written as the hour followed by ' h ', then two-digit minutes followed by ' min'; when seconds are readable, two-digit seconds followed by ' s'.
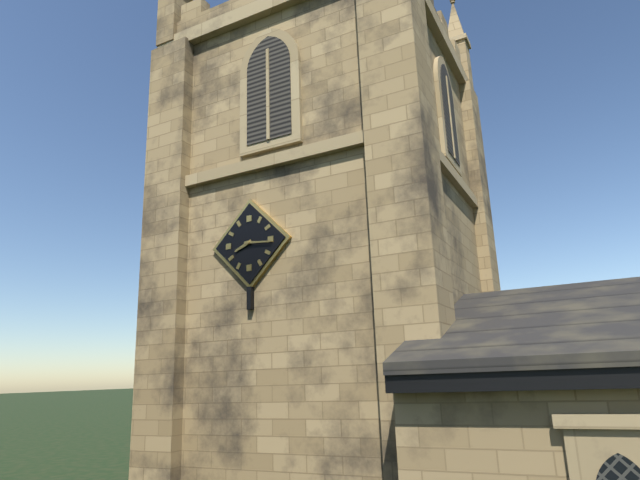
8 h 16 min
